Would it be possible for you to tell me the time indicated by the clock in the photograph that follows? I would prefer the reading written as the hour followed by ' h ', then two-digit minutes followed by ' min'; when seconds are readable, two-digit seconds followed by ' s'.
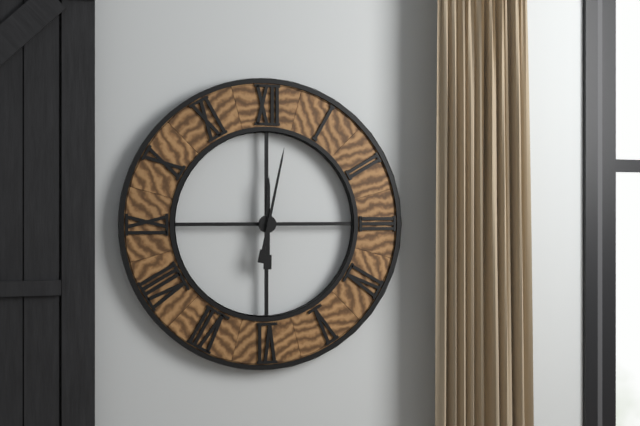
12 h 02 min
